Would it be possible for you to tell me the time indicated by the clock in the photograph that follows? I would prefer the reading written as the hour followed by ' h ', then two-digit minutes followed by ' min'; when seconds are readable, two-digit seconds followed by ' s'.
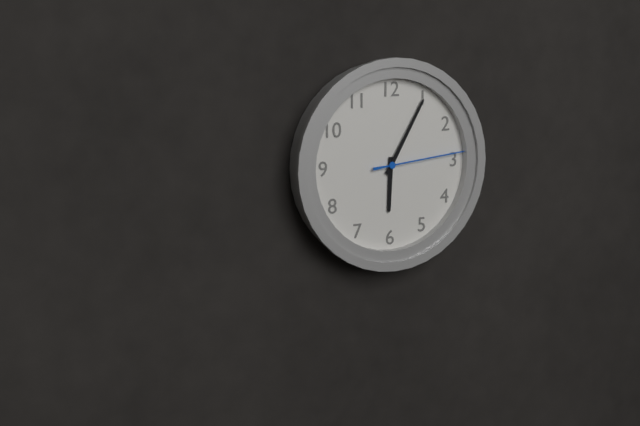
6 h 05 min 14 s
